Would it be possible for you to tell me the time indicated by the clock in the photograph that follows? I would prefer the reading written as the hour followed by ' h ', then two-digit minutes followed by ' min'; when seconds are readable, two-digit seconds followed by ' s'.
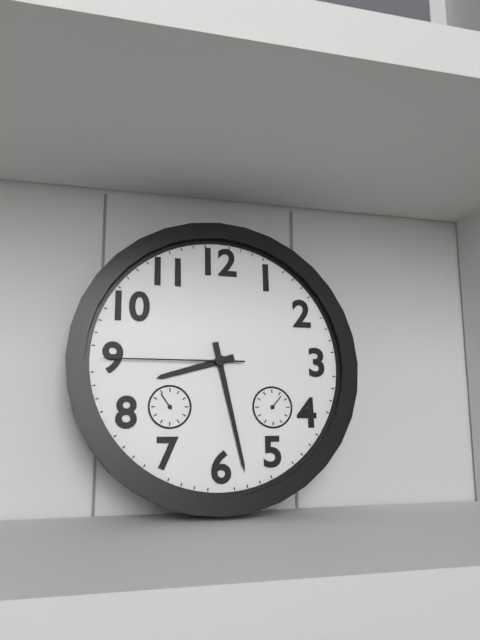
8 h 28 min 45 s
